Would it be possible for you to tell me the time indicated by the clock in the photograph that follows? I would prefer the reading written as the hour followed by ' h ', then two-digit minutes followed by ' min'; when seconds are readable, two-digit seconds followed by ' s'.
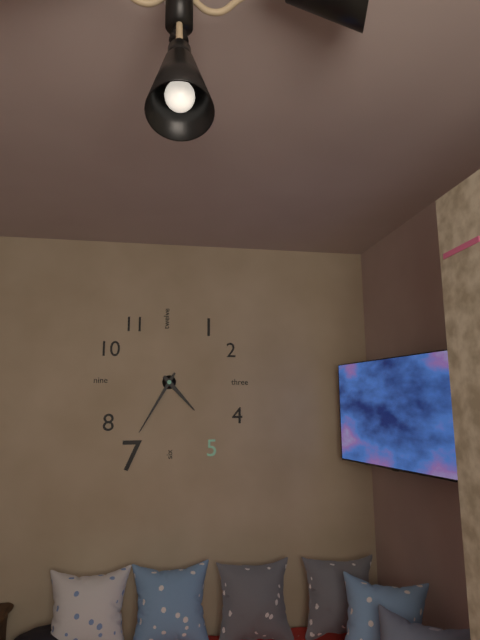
4 h 35 min
